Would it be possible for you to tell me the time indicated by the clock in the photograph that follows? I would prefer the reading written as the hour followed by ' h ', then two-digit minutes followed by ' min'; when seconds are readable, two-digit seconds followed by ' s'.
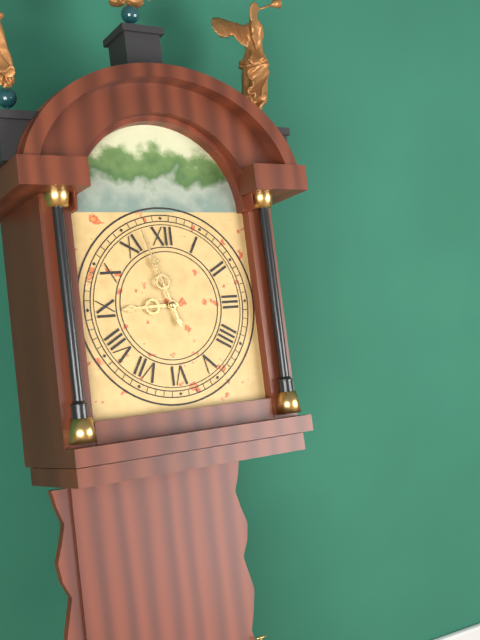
8 h 57 min
